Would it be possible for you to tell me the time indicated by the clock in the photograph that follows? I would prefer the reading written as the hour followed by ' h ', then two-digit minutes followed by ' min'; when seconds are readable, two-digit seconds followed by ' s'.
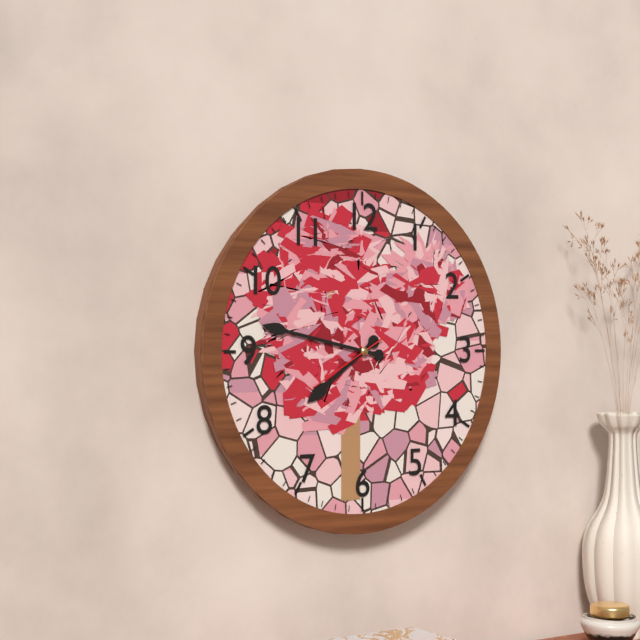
7 h 47 min 40 s
